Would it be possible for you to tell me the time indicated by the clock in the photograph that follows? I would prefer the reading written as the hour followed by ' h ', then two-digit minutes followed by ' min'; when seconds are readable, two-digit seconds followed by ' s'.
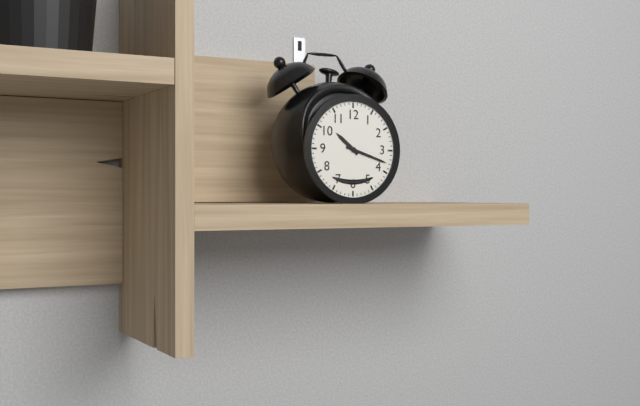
10 h 18 min
